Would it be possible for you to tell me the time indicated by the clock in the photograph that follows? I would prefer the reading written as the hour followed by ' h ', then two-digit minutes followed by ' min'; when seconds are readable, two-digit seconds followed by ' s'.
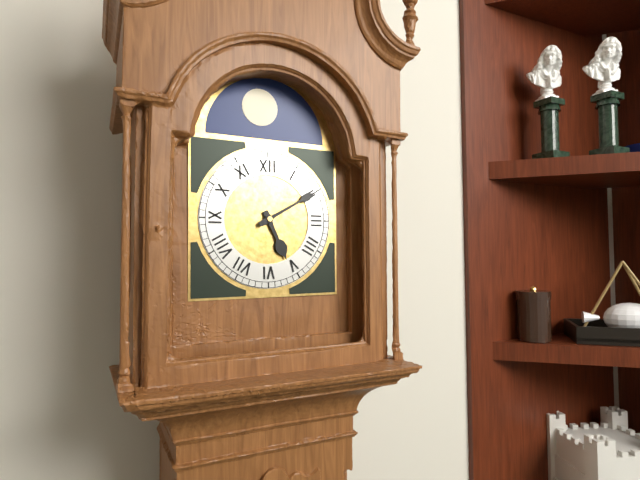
5 h 10 min
